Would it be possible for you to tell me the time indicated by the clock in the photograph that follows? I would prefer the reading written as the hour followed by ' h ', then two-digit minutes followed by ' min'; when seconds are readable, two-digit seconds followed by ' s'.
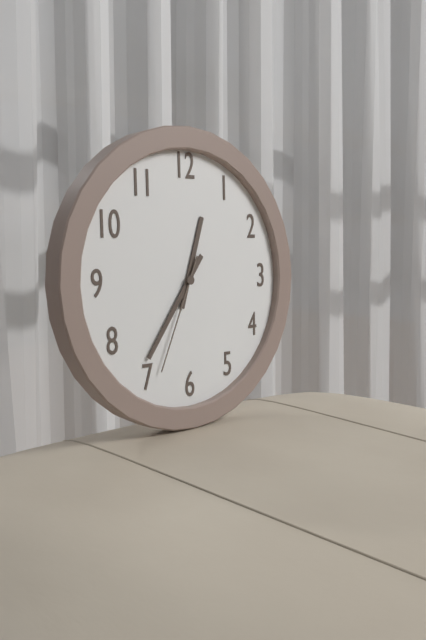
12 h 36 min 34 s
